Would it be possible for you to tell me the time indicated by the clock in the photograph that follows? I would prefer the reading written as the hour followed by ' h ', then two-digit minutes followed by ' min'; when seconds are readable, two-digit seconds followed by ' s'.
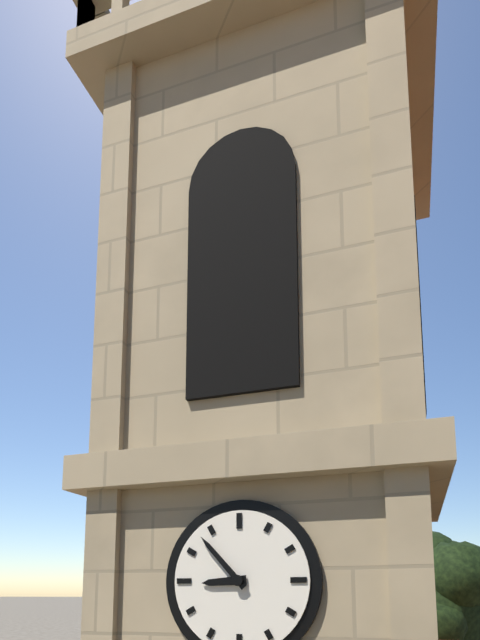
8 h 53 min
